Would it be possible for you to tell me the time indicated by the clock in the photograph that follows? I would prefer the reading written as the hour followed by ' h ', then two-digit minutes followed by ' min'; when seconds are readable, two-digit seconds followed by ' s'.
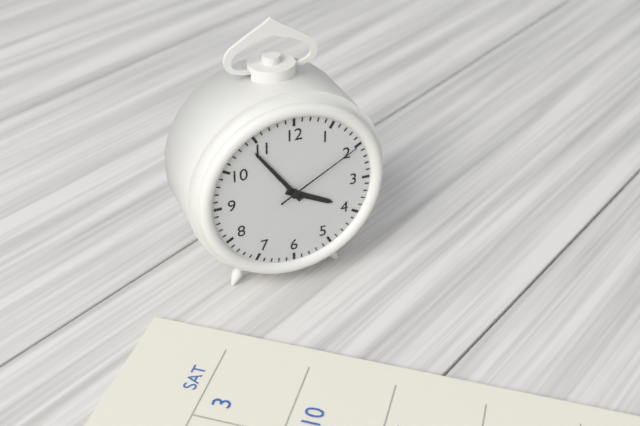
3 h 54 min 10 s
